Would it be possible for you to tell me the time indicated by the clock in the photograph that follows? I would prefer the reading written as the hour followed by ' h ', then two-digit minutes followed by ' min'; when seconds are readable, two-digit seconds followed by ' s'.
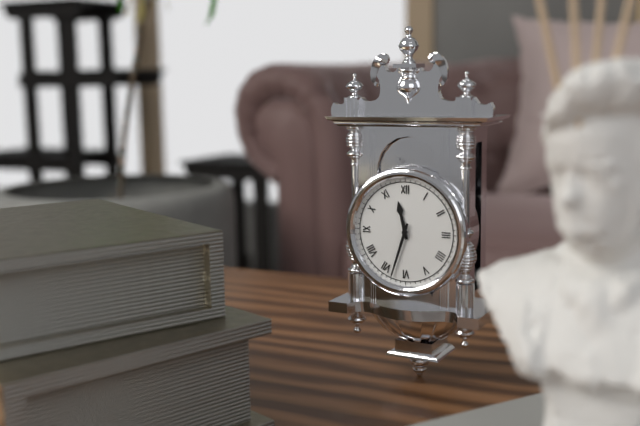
11 h 33 min
